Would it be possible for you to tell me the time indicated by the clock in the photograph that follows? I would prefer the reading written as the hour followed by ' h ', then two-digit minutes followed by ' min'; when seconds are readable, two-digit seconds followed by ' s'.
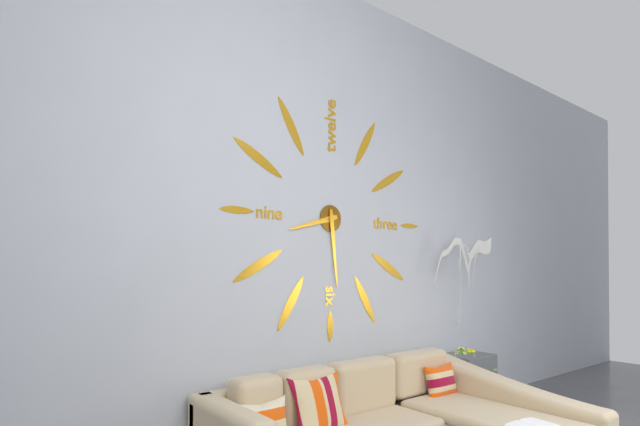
8 h 29 min
